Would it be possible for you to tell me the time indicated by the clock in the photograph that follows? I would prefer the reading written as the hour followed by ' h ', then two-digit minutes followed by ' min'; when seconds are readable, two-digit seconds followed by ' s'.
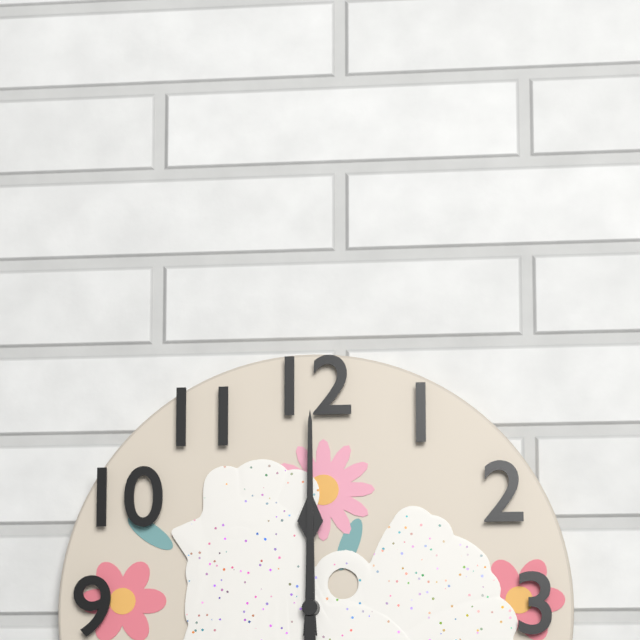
12 h 00 min
